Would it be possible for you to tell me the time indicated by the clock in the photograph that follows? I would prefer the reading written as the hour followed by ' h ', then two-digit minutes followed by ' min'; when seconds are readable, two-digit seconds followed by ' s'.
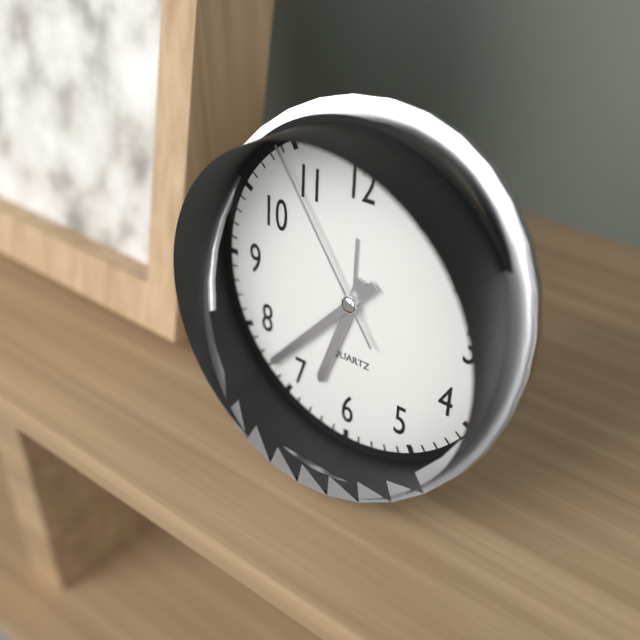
6 h 37 min 54 s
